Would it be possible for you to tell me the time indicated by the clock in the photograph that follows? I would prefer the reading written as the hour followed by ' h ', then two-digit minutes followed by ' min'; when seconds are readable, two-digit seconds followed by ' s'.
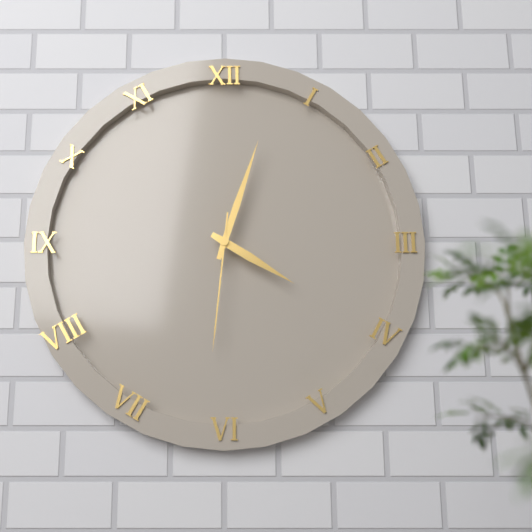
4 h 03 min 31 s
